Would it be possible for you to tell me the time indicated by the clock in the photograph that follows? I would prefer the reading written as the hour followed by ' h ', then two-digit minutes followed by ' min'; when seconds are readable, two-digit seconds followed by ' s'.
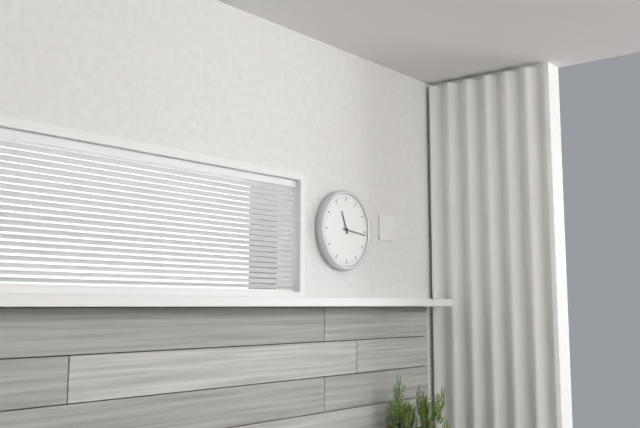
11 h 16 min
